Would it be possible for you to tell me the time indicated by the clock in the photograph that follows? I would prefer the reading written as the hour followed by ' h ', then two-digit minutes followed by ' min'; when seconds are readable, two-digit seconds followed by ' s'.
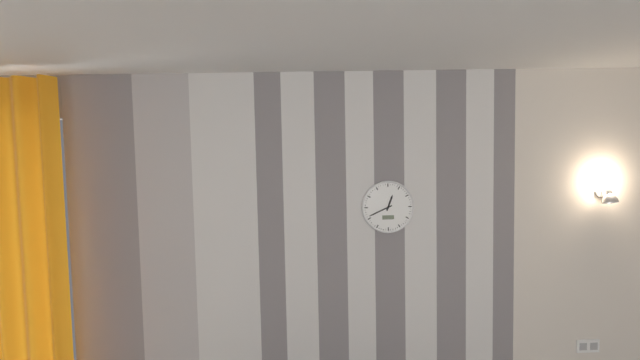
12 h 41 min
